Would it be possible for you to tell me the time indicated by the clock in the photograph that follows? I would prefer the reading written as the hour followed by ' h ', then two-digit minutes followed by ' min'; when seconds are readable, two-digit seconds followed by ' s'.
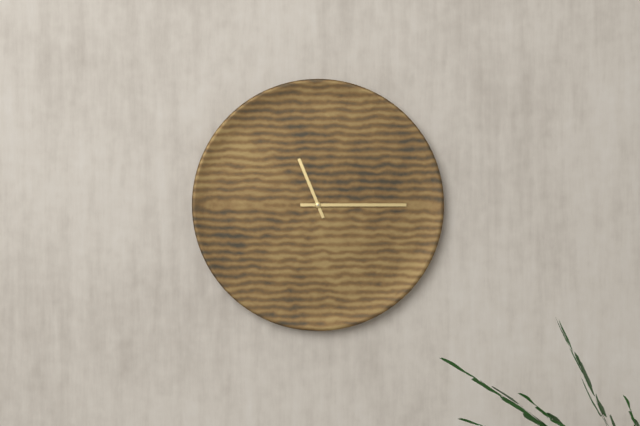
11 h 15 min
